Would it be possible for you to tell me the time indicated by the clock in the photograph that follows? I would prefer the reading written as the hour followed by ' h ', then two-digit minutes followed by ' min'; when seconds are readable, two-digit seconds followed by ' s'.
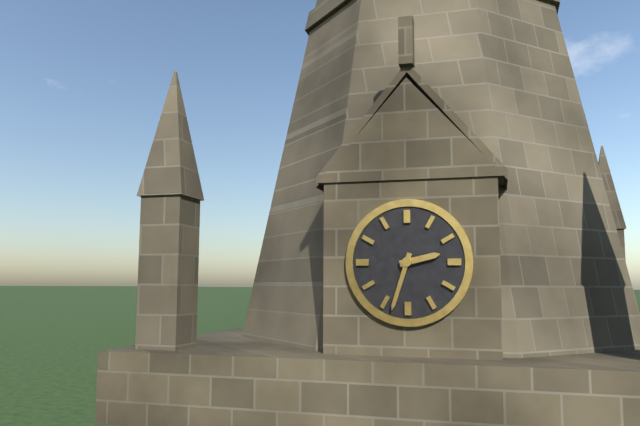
2 h 33 min
